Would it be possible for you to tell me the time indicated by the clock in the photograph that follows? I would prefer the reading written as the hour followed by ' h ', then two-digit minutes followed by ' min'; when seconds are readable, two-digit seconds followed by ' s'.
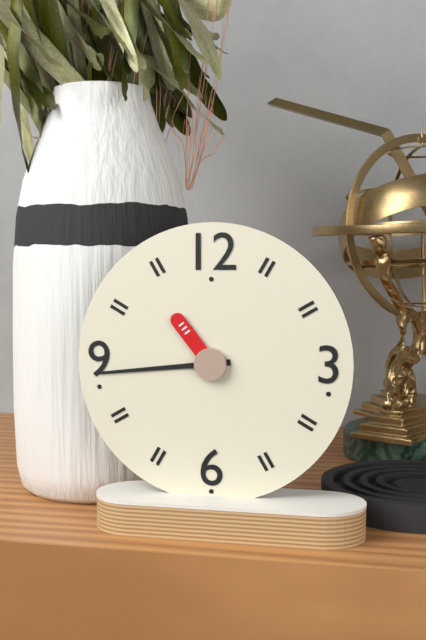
10 h 44 min
